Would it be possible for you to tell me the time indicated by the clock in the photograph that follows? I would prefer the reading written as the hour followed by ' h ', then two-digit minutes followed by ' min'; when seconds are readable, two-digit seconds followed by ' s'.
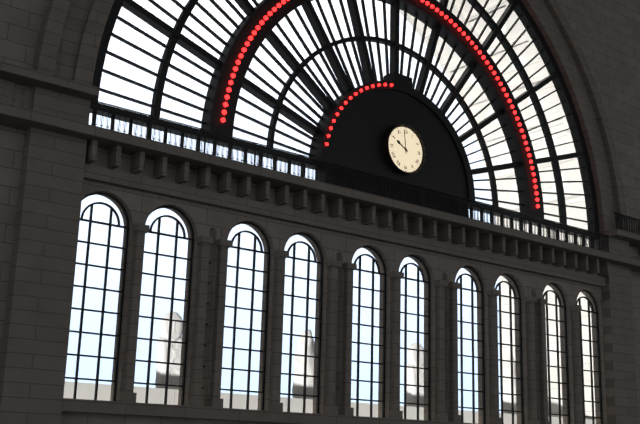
9 h 59 min
